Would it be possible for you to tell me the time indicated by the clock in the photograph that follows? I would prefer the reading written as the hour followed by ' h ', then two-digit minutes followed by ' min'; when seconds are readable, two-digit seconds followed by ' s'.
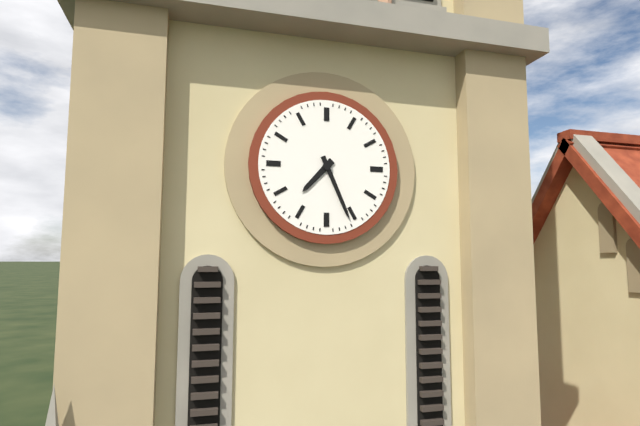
7 h 26 min
